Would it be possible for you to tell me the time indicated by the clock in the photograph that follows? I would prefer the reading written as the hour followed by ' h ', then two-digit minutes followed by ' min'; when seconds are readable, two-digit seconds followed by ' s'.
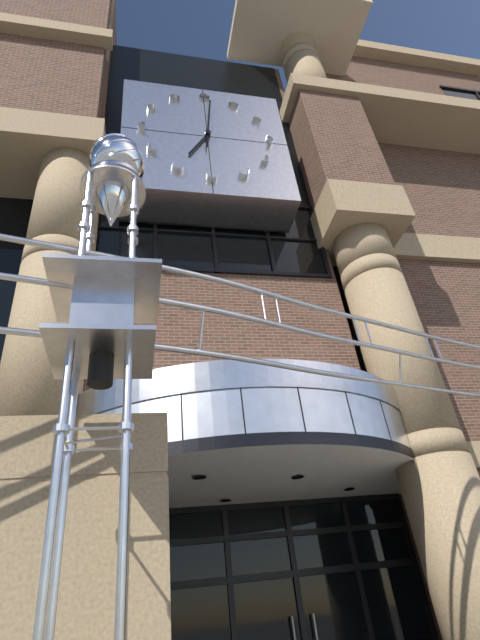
7 h 01 min
